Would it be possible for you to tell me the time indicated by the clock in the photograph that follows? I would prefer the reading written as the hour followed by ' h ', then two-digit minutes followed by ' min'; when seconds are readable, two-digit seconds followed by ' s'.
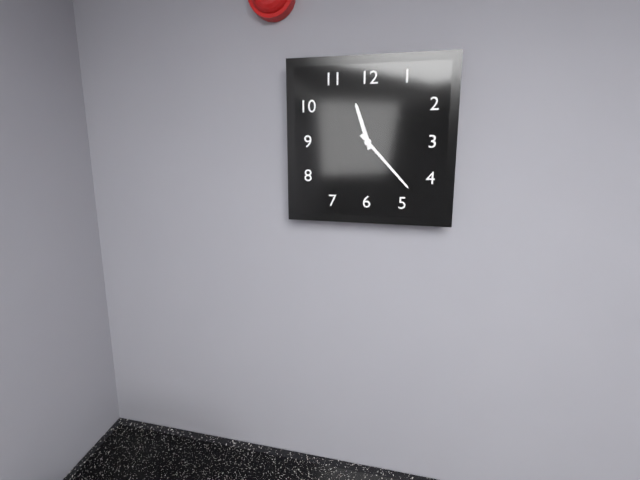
11 h 23 min
